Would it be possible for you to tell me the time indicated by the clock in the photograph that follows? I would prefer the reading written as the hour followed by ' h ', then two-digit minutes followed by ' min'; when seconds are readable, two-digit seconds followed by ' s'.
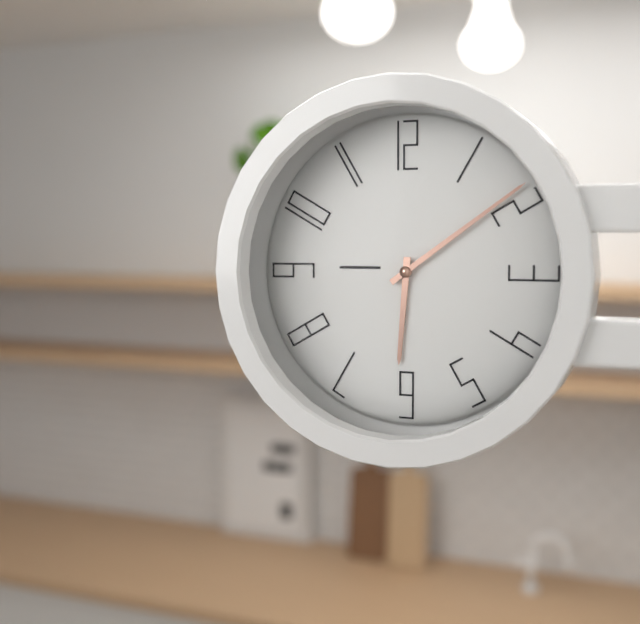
6 h 09 min
